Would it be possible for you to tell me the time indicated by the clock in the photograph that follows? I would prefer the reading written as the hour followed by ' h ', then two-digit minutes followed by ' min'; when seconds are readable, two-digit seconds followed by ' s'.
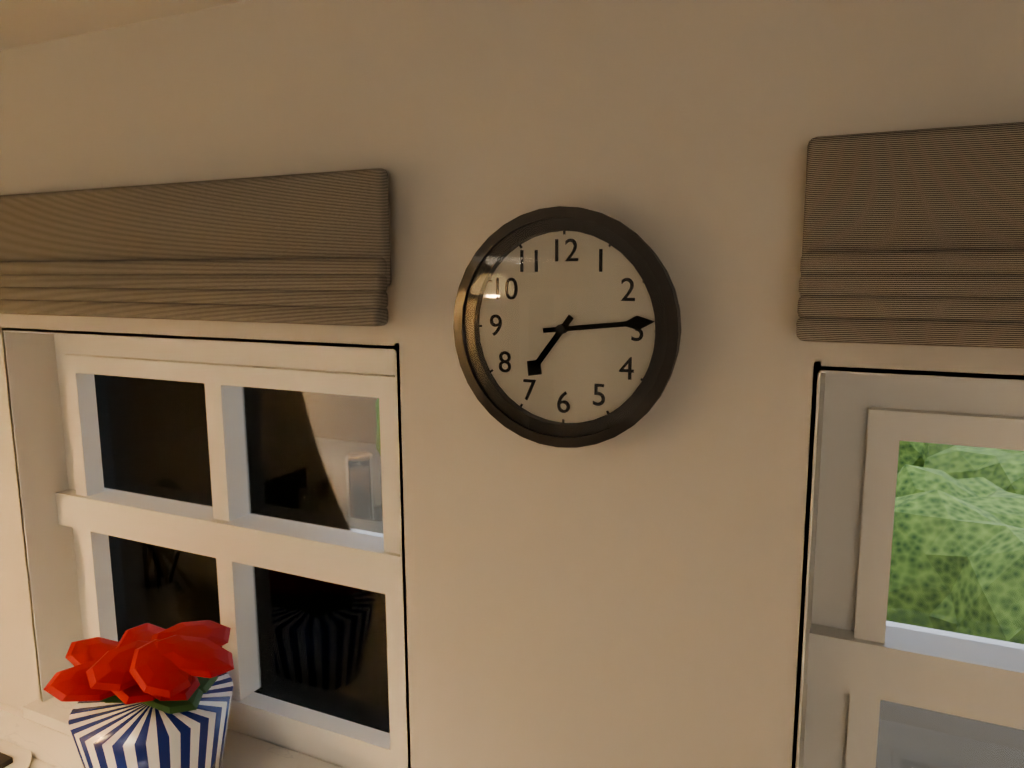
7 h 14 min
